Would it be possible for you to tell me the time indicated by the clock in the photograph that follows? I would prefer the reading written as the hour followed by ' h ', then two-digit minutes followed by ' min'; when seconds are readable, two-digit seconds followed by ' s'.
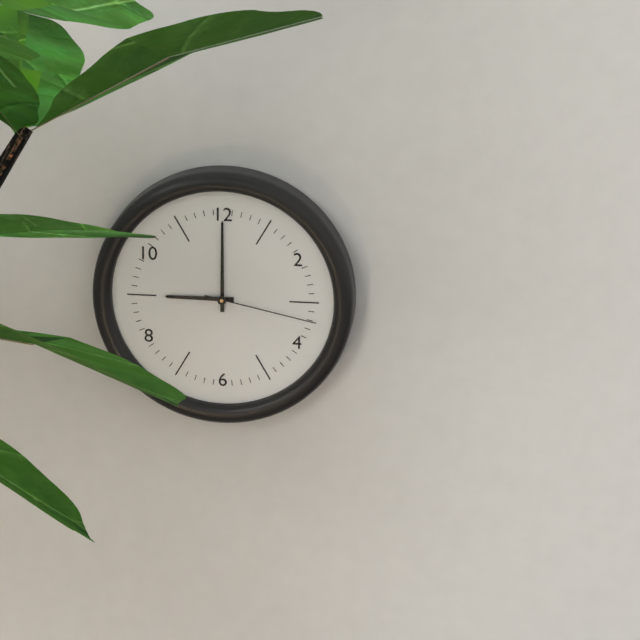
9 h 00 min 17 s
